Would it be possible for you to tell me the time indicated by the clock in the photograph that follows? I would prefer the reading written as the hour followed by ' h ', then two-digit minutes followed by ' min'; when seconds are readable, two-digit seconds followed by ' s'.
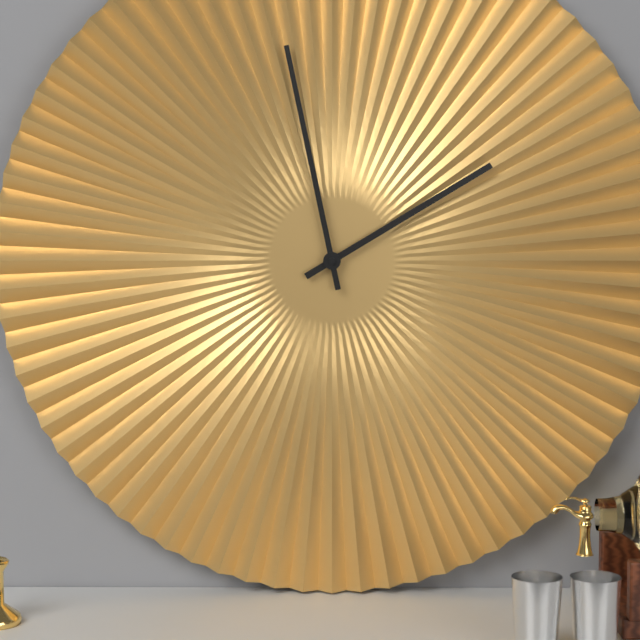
1 h 58 min
